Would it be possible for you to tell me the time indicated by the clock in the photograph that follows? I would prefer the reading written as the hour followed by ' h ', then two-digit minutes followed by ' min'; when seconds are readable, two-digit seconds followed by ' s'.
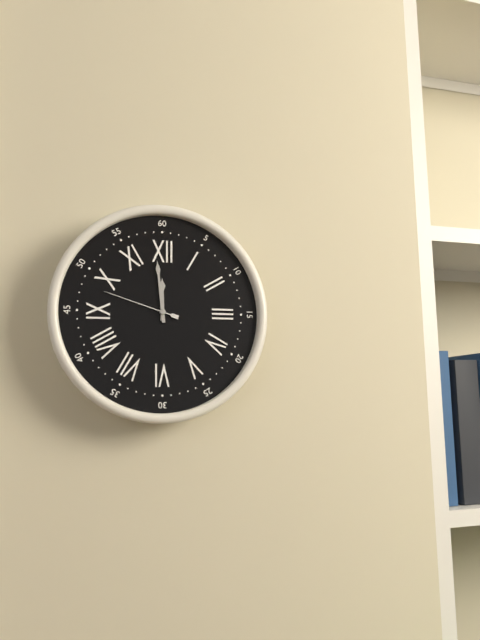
11 h 59 min 48 s
